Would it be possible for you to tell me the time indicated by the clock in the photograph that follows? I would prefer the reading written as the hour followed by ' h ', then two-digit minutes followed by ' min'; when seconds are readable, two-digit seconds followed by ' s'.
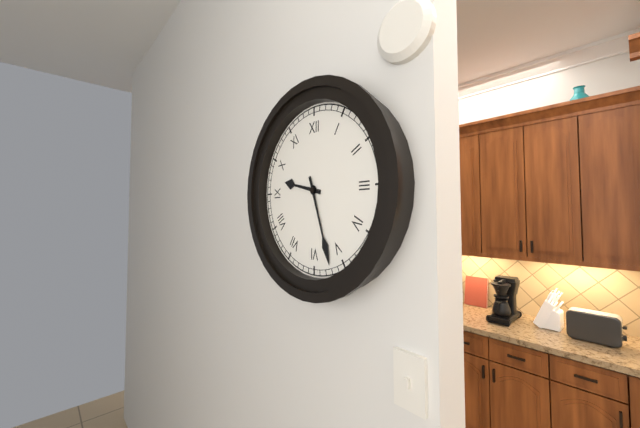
9 h 27 min
